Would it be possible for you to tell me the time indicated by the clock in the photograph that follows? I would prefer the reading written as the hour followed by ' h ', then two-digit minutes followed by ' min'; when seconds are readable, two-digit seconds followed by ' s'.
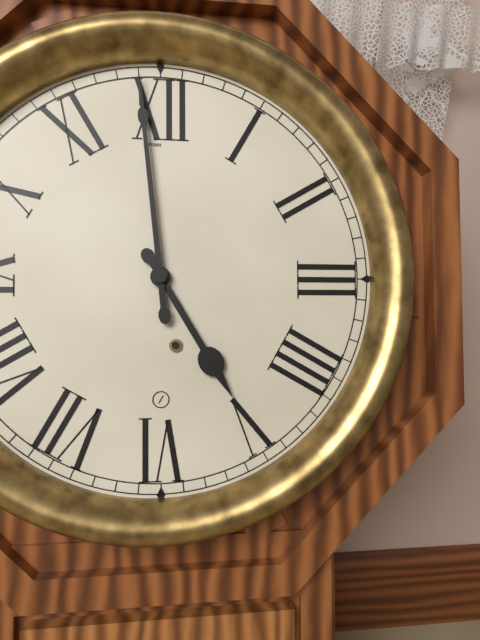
4 h 59 min
